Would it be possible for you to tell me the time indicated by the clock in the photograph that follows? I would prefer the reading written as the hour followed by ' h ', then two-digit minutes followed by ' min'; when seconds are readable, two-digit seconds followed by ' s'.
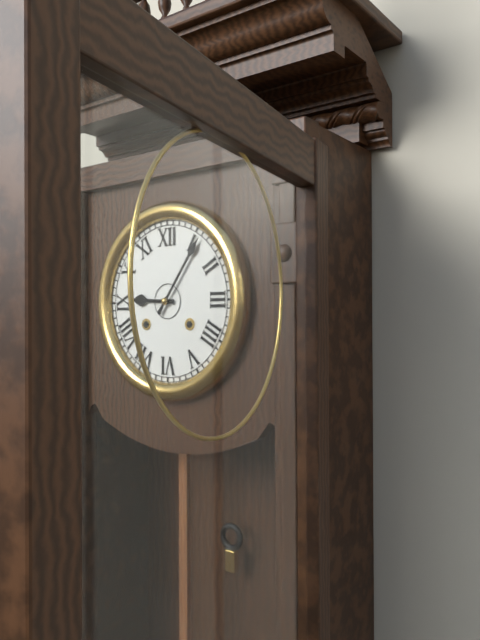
9 h 06 min
